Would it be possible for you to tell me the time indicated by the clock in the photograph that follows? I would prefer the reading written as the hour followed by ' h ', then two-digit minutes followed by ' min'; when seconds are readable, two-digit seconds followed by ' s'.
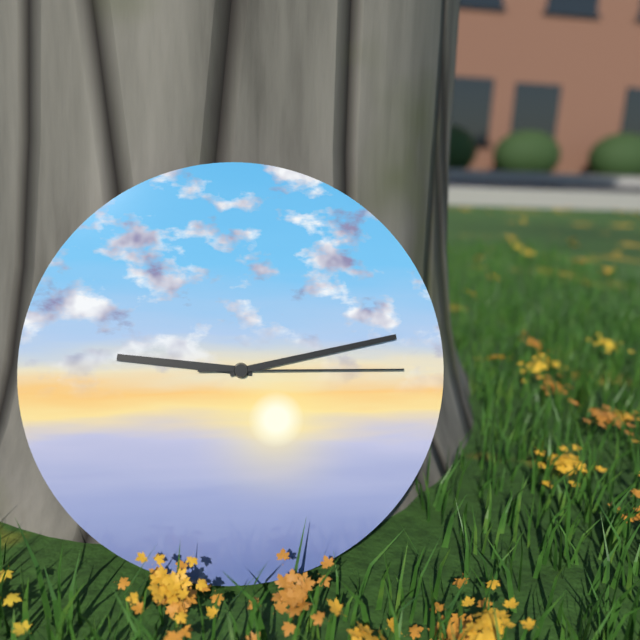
9 h 13 min 15 s
